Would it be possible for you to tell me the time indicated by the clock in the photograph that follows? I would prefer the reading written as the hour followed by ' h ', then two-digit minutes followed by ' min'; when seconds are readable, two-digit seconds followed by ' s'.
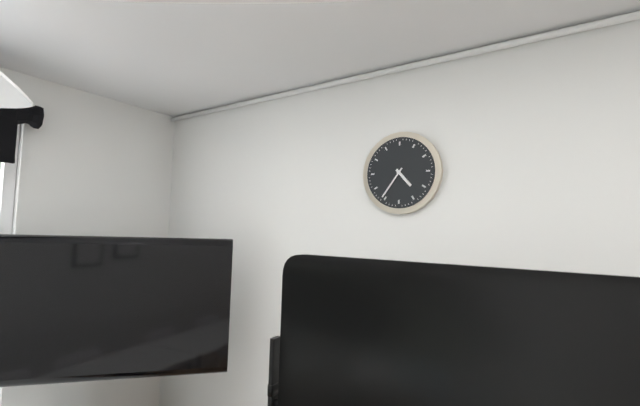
4 h 36 min
